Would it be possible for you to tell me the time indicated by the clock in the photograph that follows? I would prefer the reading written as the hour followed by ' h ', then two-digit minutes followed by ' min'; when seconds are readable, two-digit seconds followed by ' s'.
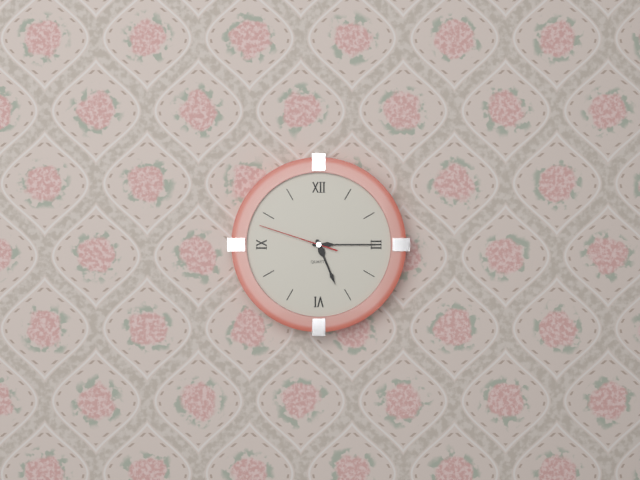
5 h 15 min 48 s
